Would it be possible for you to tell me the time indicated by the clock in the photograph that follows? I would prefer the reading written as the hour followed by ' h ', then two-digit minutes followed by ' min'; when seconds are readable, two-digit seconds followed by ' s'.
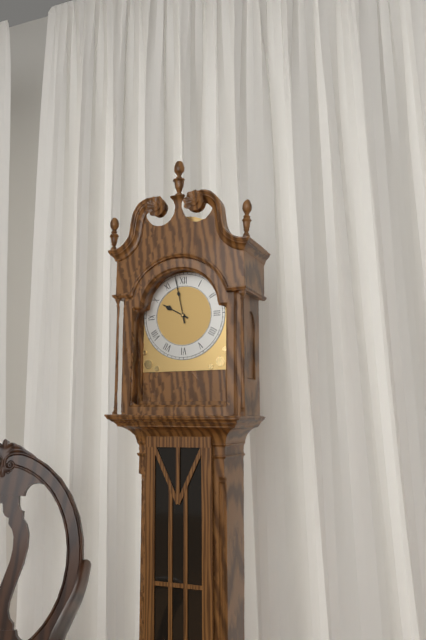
9 h 58 min
